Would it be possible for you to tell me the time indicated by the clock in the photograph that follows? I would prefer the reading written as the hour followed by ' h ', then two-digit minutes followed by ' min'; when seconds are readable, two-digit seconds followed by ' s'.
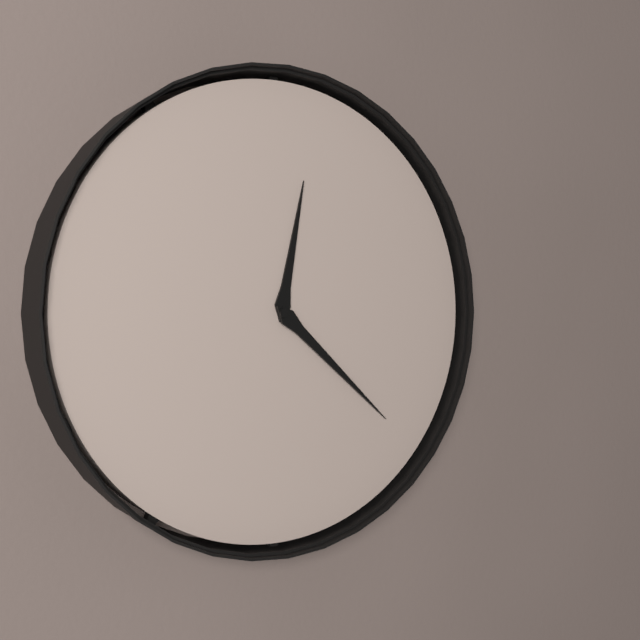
12 h 22 min
